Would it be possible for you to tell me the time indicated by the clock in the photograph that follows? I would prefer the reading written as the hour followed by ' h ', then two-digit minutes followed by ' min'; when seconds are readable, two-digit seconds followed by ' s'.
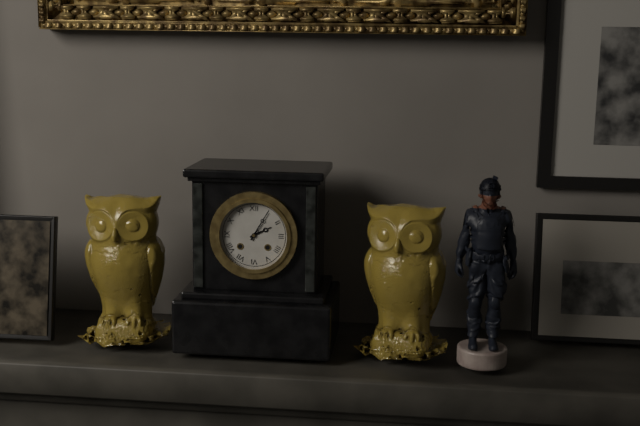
2 h 05 min
